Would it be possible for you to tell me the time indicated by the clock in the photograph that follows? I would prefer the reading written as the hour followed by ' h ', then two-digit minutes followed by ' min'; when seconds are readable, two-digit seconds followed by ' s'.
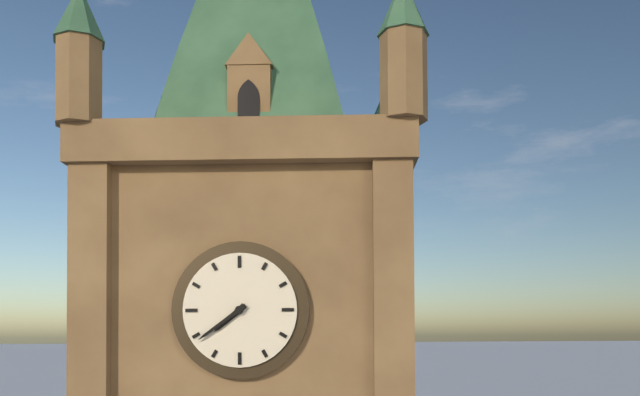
7 h 39 min
